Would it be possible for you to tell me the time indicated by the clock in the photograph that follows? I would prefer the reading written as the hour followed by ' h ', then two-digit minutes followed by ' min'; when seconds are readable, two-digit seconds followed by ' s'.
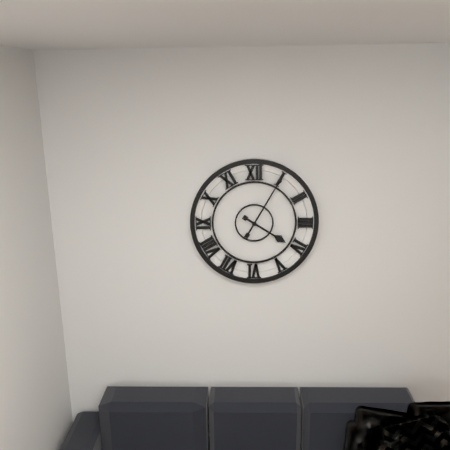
4 h 05 min
